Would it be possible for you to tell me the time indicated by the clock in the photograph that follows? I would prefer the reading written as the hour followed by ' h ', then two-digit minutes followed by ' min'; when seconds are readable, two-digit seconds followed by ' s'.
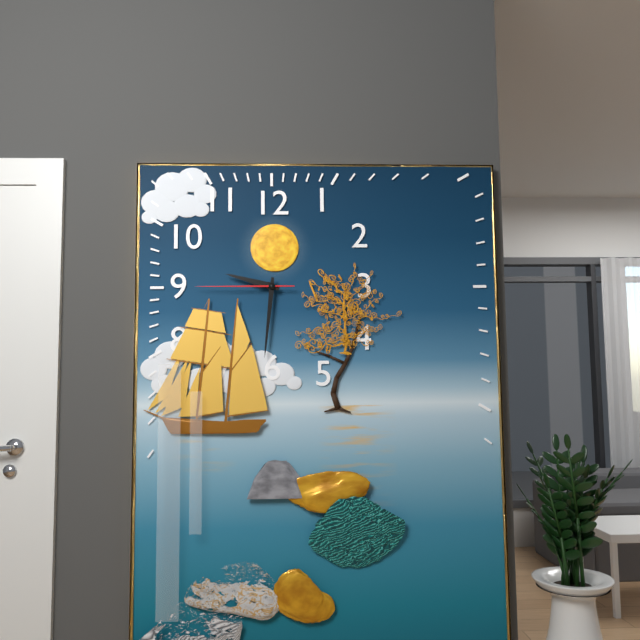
9 h 31 min 45 s
